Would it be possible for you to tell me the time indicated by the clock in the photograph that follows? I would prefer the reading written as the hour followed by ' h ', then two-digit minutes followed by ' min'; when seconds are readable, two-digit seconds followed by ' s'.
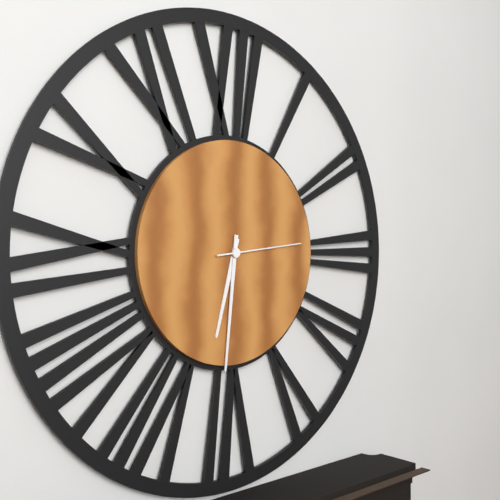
6 h 31 min 14 s
